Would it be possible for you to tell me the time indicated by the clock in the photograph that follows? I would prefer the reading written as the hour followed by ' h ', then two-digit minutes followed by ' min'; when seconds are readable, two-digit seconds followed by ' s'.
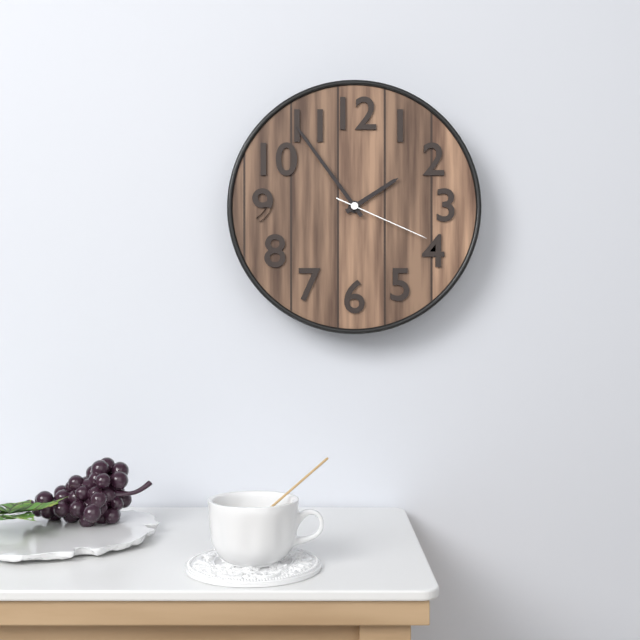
1 h 54 min 19 s
